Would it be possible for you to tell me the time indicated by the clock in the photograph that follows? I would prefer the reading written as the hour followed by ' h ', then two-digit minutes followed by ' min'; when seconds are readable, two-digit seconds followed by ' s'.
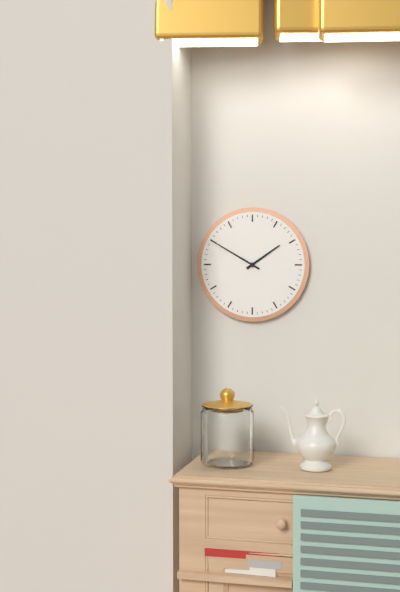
1 h 50 min
